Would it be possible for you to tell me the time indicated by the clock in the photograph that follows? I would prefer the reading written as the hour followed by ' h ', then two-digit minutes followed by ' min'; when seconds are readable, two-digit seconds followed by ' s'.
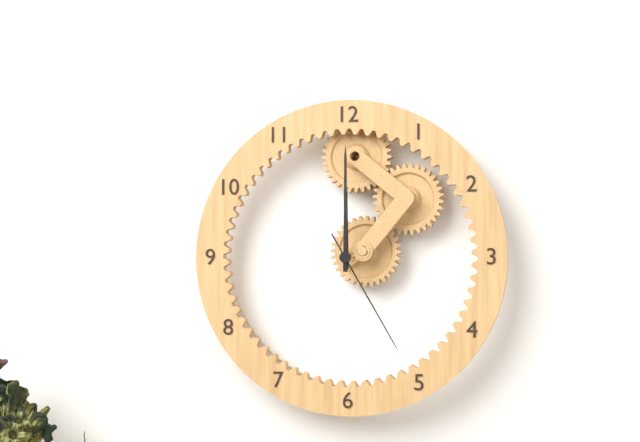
12 h 00 min 25 s
